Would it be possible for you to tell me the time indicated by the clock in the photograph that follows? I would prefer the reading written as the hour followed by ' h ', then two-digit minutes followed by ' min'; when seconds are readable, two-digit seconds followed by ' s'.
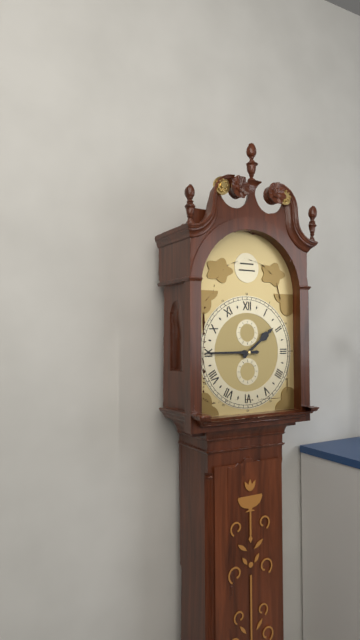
1 h 45 min
